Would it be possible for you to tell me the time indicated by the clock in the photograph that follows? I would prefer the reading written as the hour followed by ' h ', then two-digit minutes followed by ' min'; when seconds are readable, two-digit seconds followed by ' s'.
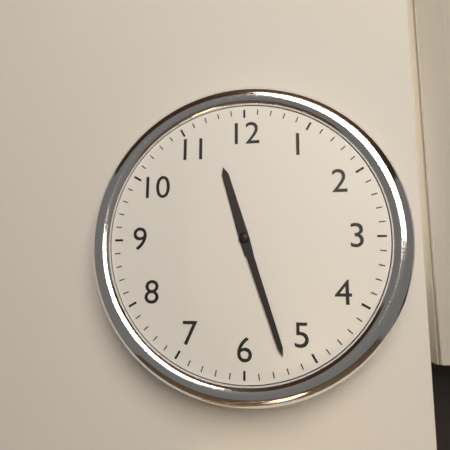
11 h 27 min
